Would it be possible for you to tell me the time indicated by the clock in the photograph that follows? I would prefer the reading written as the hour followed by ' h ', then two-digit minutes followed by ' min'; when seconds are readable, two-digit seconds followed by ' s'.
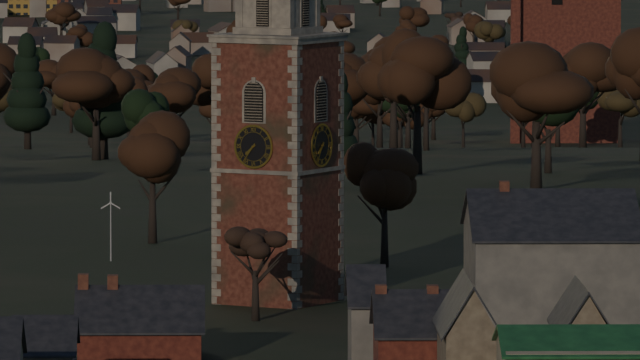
7 h 36 min
